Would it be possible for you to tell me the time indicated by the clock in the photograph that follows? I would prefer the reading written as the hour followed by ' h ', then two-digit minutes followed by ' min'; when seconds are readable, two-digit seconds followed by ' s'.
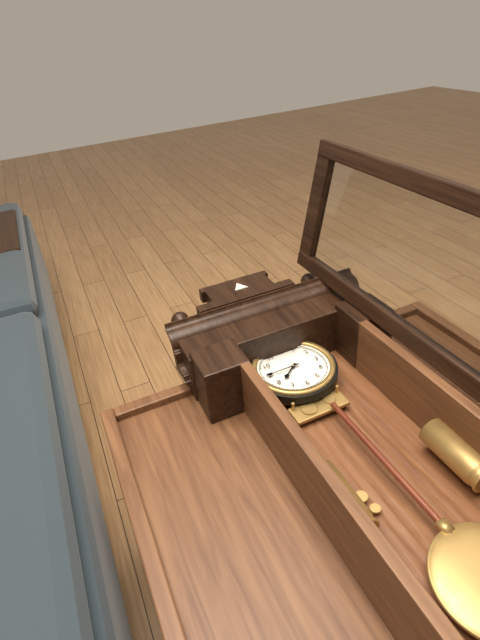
7 h 45 min
